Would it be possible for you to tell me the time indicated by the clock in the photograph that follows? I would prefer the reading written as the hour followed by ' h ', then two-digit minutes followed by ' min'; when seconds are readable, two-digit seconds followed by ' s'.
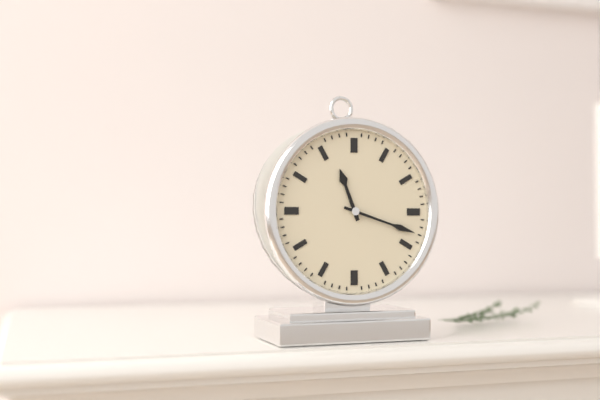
11 h 18 min
